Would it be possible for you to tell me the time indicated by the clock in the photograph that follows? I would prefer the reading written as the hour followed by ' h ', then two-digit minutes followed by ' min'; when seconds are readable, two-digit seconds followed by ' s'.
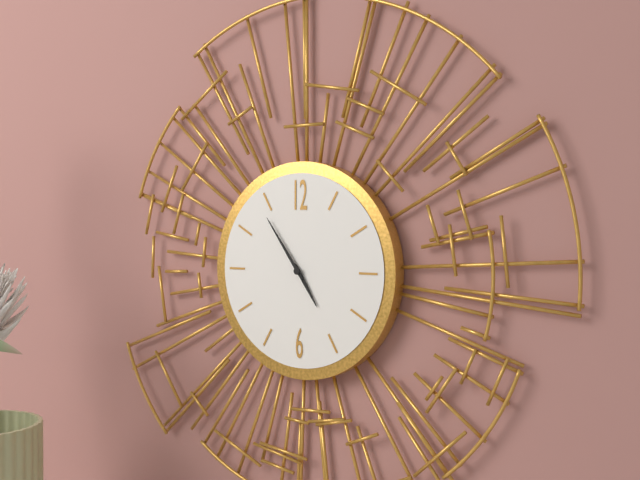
4 h 54 min
